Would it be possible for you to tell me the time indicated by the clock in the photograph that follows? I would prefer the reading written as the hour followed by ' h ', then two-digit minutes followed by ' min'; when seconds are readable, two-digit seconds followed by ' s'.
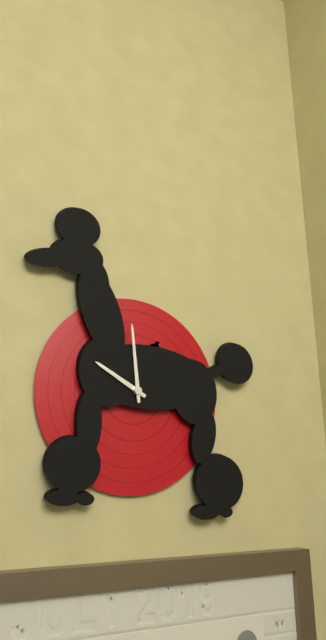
9 h 59 min
